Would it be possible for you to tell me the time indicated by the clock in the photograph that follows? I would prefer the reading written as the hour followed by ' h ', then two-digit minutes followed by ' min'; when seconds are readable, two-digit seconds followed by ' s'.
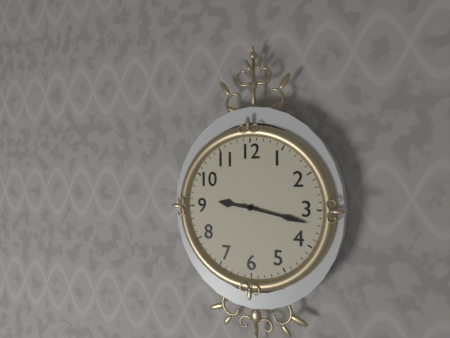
9 h 17 min
